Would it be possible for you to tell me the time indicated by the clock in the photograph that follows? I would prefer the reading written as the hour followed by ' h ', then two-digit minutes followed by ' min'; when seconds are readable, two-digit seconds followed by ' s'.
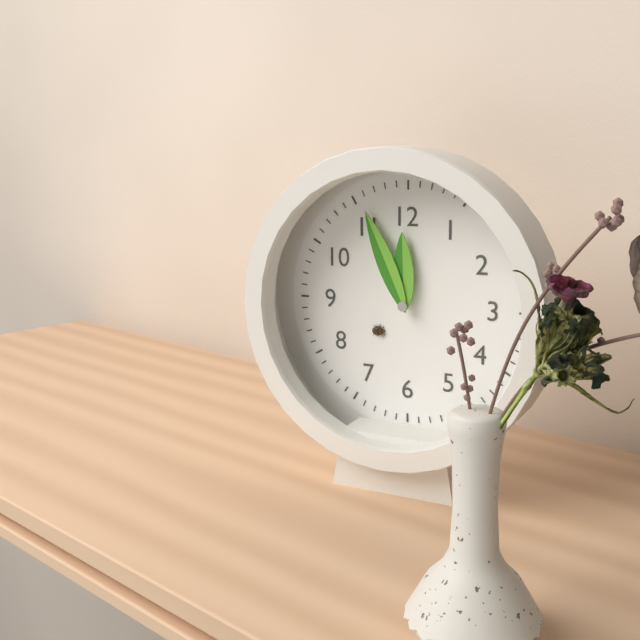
11 h 56 min
